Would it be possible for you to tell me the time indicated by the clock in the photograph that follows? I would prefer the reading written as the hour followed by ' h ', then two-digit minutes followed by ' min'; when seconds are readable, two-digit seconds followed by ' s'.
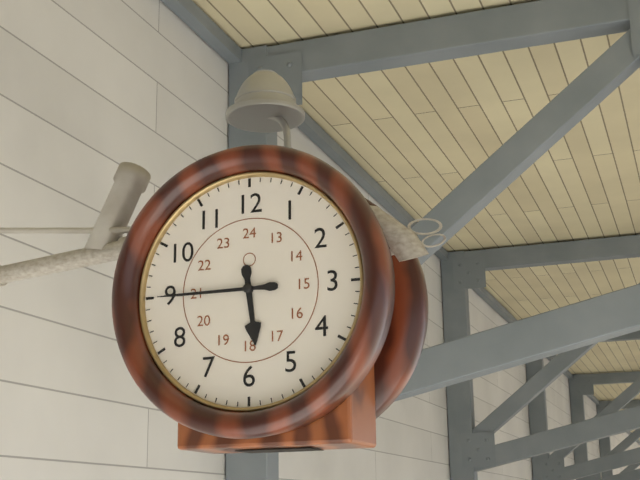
5 h 45 min
